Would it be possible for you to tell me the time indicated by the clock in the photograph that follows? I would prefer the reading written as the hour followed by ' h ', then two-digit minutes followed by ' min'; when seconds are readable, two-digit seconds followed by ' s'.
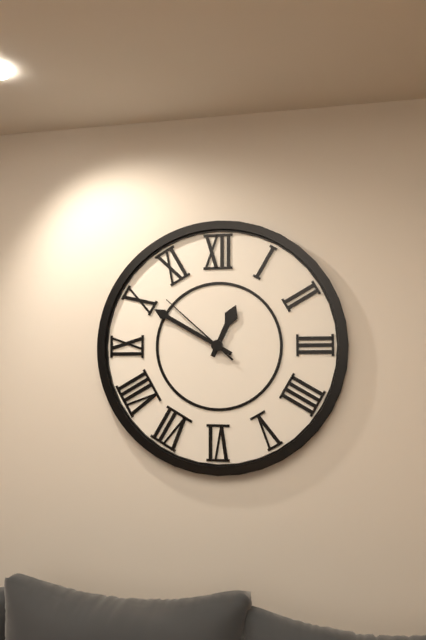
12 h 50 min 52 s
